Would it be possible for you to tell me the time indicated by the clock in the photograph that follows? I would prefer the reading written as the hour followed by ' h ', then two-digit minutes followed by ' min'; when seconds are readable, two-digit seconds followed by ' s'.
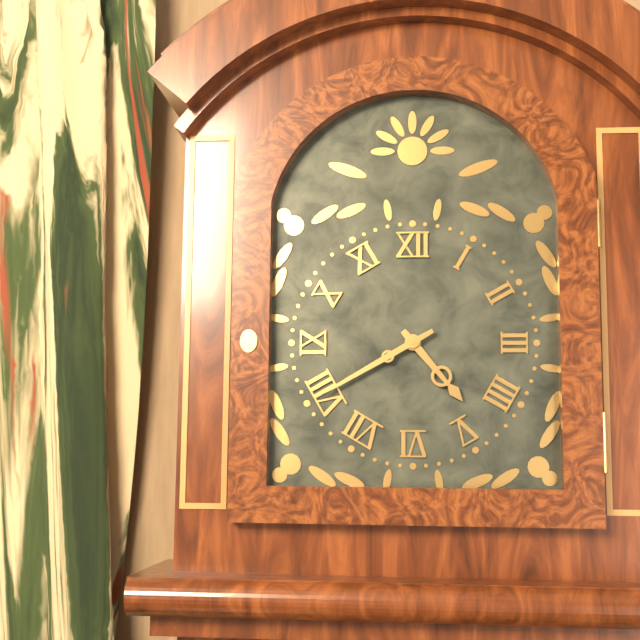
4 h 40 min
